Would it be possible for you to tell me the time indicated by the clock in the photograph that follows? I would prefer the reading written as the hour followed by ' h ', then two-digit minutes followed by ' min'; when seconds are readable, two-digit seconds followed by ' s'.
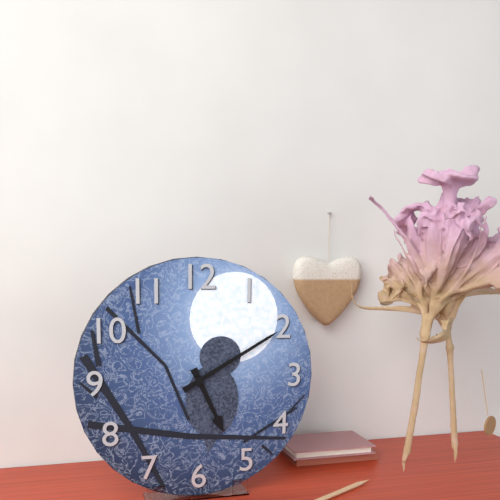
5 h 10 min
